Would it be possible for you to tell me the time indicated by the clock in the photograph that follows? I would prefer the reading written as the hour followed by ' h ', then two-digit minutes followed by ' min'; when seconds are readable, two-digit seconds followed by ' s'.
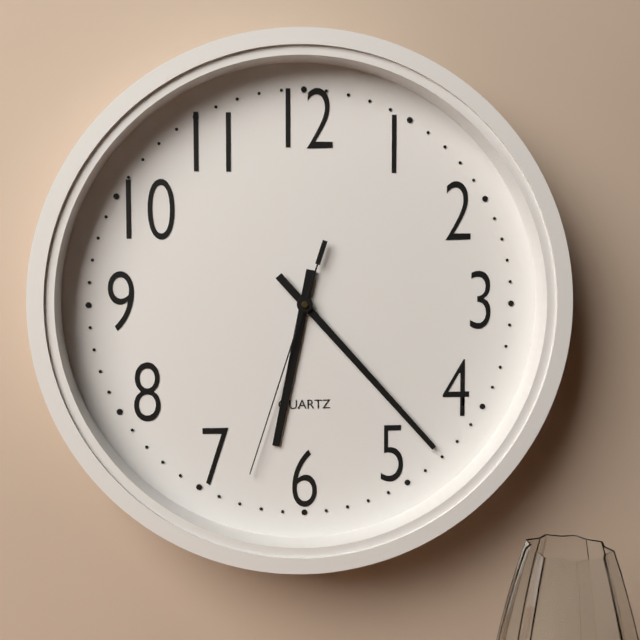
6 h 23 min 33 s
